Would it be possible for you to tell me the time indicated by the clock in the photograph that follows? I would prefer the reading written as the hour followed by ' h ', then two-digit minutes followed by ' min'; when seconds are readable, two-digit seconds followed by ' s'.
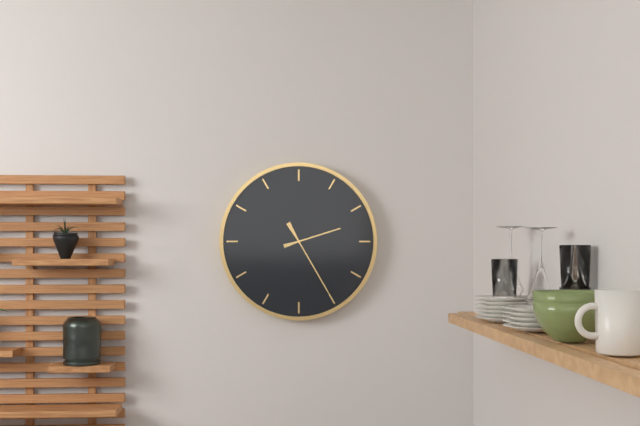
2 h 25 min
